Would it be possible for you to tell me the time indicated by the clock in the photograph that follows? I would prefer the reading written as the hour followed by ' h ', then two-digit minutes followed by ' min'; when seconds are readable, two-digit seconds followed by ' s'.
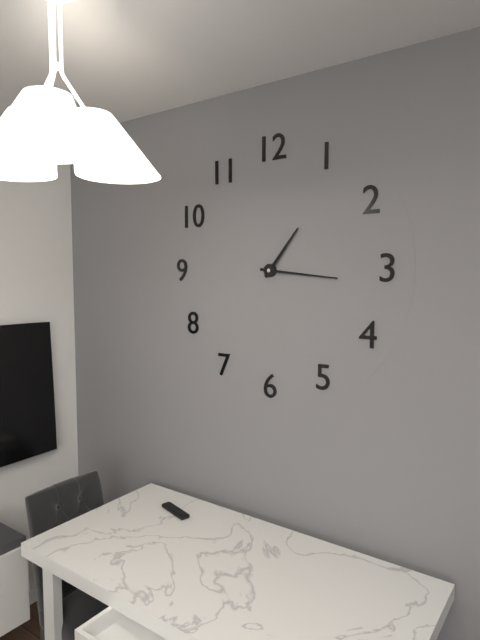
1 h 16 min
